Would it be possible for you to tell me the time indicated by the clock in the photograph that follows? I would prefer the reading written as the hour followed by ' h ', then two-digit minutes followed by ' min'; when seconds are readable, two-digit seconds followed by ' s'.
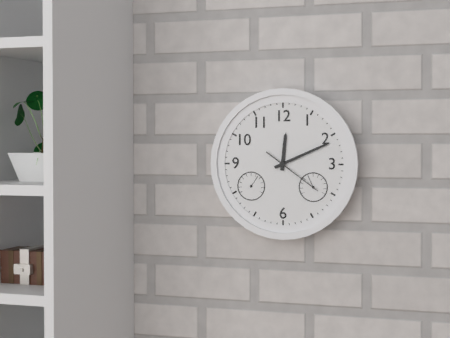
12 h 11 min 21 s
